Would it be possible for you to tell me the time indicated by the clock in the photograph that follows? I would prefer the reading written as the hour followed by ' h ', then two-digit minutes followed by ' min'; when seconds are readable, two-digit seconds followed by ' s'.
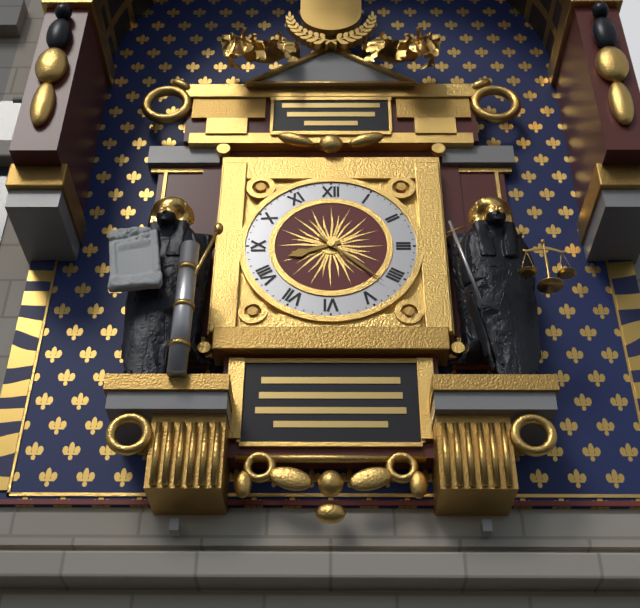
8 h 22 min
